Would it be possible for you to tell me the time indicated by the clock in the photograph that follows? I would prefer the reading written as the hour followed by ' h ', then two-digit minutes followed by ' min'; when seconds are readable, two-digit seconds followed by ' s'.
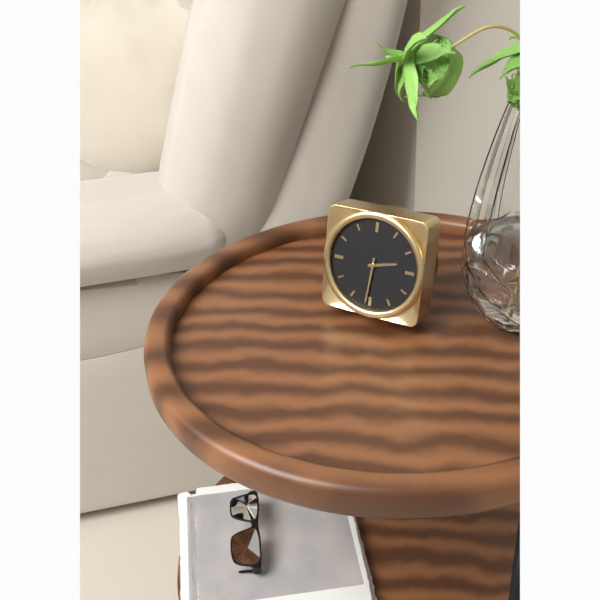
2 h 31 min
